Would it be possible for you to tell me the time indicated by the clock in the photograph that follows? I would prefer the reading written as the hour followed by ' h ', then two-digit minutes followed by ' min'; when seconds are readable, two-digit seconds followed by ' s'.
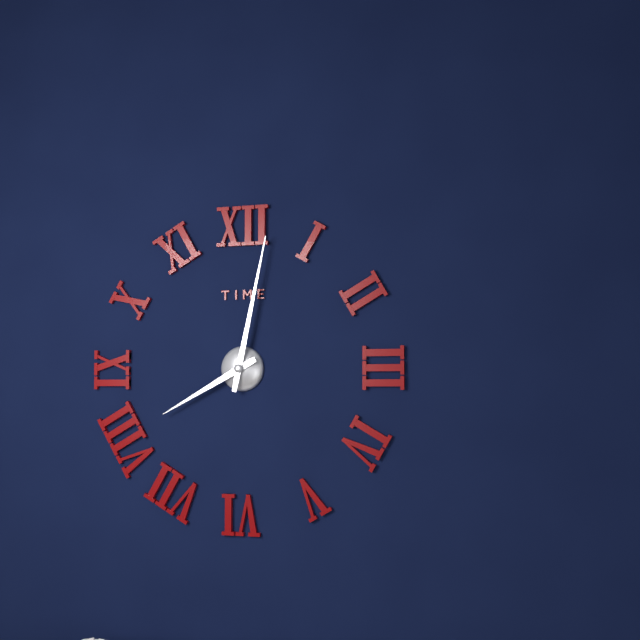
8 h 02 min
